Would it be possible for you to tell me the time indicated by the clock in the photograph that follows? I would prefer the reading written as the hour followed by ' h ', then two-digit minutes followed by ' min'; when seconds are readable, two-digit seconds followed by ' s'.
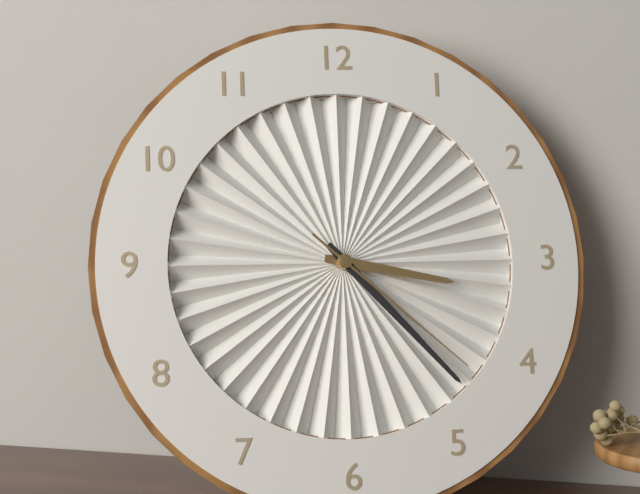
3 h 23 min 22 s
